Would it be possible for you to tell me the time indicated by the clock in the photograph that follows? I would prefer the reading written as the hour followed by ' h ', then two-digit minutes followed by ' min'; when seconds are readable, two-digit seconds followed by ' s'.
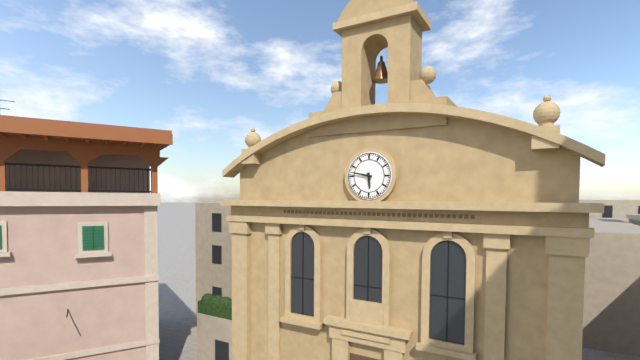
5 h 47 min
